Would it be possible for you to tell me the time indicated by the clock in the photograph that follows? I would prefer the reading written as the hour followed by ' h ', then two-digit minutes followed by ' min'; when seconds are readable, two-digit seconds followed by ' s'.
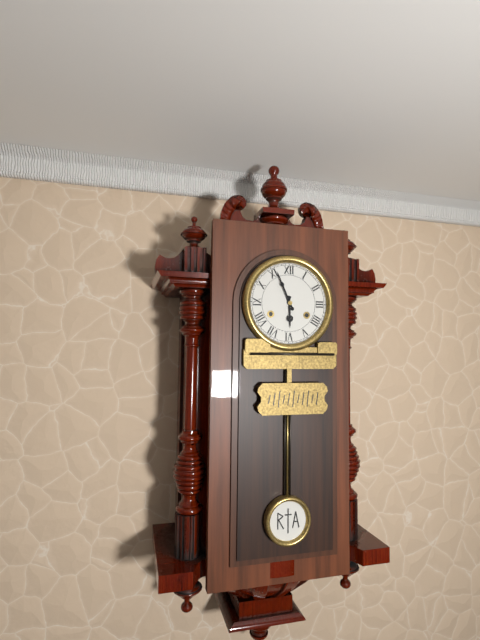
5 h 56 min
